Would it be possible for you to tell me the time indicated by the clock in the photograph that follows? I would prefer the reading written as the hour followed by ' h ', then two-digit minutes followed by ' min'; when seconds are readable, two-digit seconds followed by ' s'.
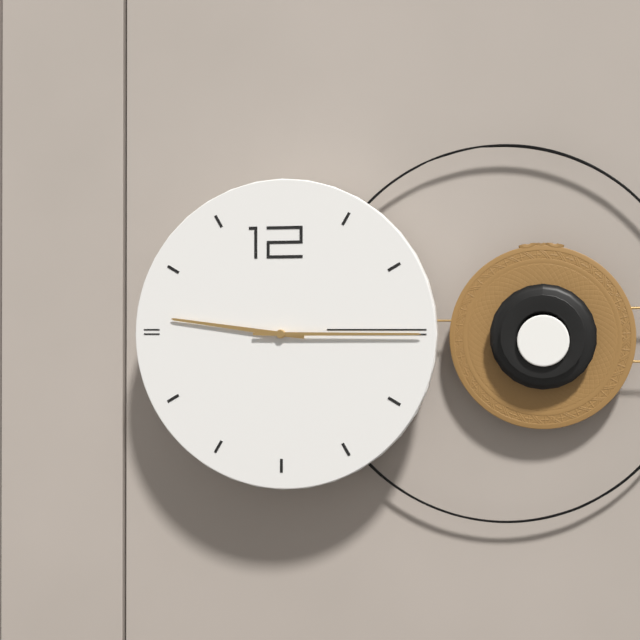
9 h 15 min
